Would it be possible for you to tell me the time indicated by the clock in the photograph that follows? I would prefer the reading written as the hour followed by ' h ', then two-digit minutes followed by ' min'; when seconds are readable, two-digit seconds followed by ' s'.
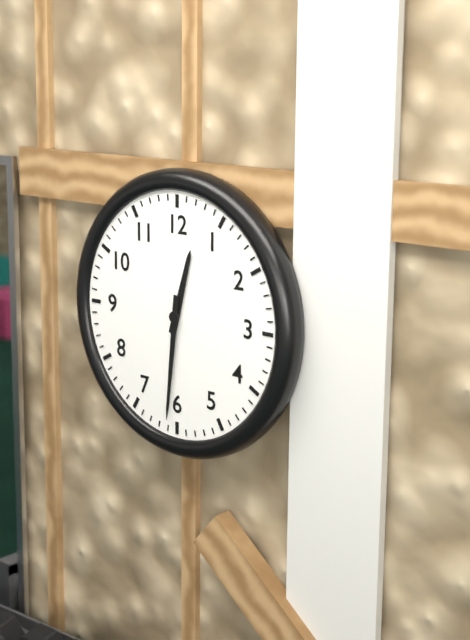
12 h 31 min
